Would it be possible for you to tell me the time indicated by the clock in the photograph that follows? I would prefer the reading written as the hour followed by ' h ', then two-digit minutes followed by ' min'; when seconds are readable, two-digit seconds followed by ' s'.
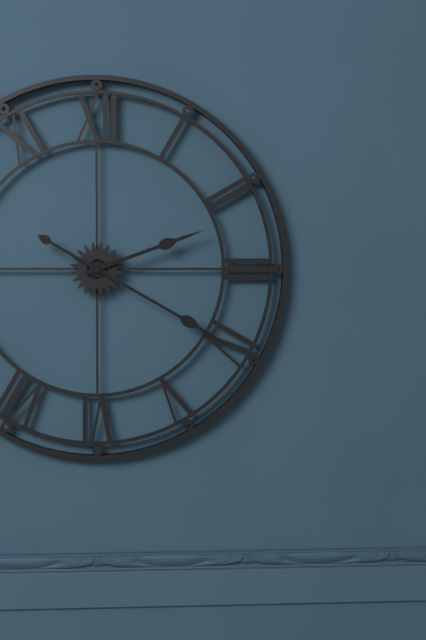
2 h 20 min
